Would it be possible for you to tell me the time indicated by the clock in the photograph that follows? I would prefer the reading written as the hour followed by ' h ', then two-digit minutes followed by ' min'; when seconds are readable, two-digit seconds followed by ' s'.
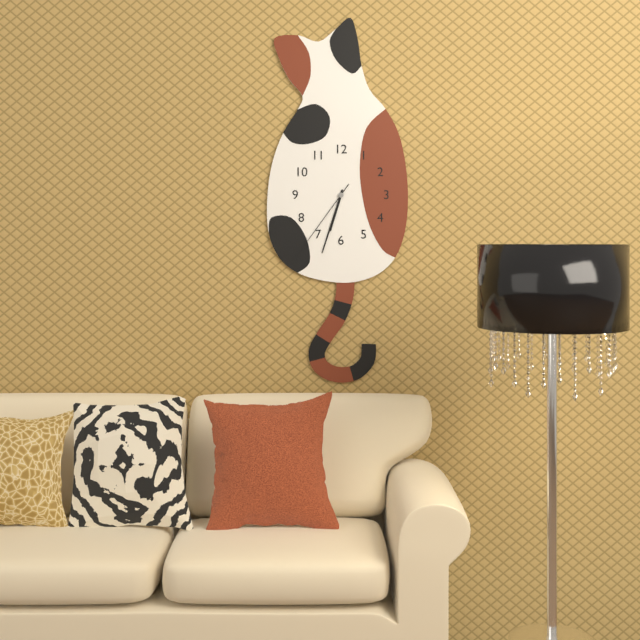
6 h 33 min 36 s
